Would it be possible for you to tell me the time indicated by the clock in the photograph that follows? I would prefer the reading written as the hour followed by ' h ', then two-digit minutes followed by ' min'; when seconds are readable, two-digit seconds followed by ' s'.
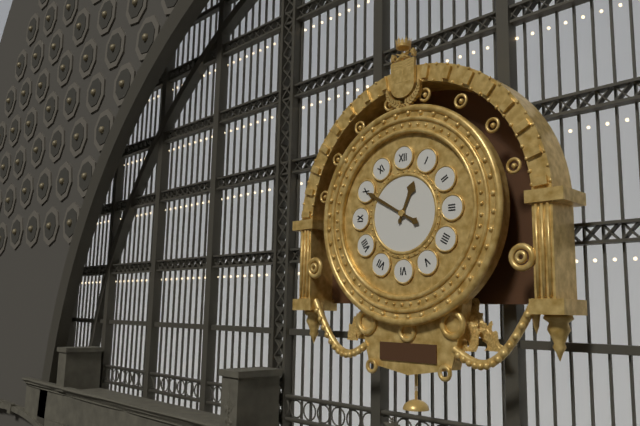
12 h 50 min
